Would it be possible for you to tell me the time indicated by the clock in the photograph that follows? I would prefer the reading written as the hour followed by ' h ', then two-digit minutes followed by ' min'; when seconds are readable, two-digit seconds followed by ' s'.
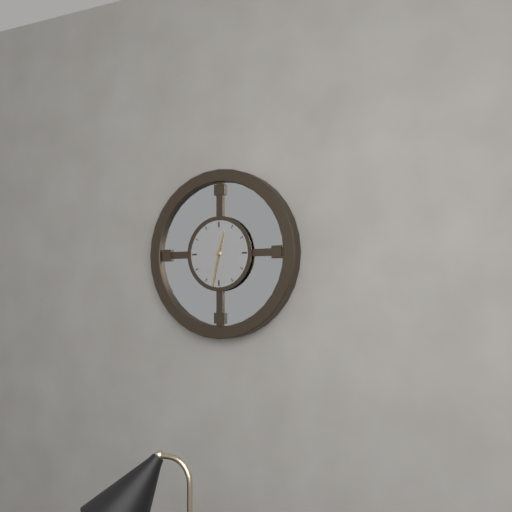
12 h 32 min
